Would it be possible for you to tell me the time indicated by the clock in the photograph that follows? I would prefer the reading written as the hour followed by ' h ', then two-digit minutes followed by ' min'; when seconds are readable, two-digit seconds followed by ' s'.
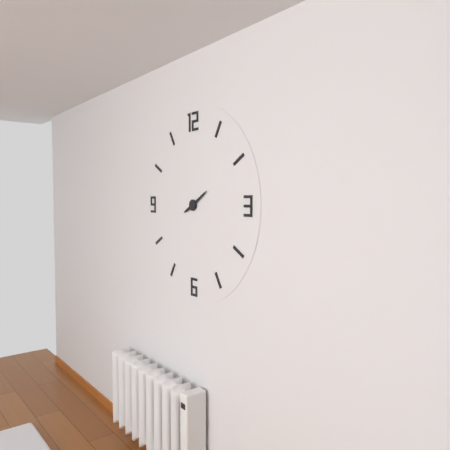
8 h 10 min
